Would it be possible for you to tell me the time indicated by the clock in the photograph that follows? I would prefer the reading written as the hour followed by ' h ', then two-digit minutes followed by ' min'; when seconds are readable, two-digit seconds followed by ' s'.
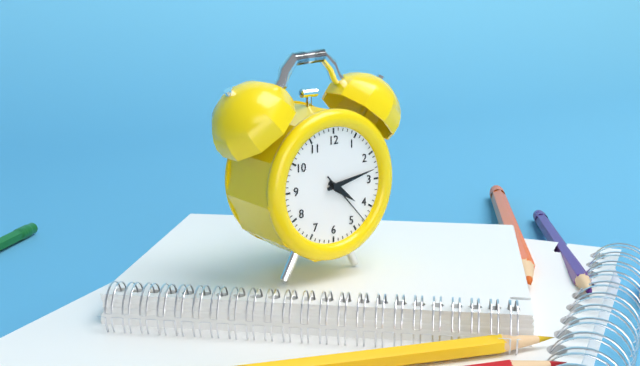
4 h 13 min 23 s
